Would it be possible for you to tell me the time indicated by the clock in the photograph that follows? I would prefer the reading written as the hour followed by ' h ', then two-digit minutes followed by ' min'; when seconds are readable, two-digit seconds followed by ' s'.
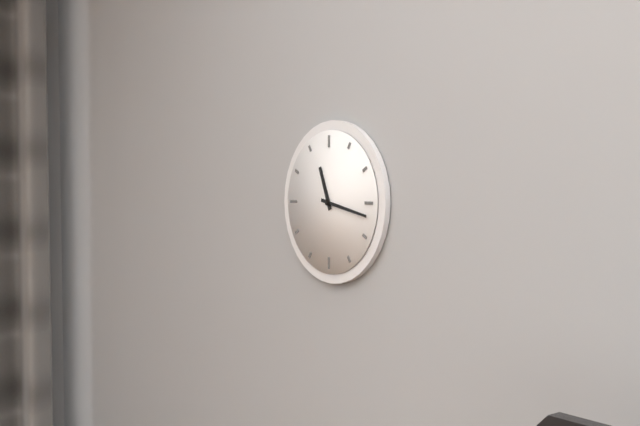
11 h 17 min
